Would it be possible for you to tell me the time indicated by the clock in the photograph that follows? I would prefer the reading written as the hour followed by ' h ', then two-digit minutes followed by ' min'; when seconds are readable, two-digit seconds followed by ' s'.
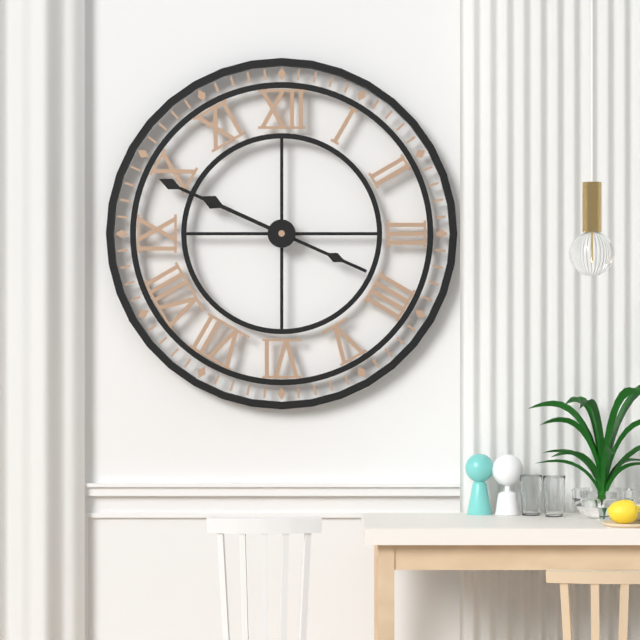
9 h 49 min
